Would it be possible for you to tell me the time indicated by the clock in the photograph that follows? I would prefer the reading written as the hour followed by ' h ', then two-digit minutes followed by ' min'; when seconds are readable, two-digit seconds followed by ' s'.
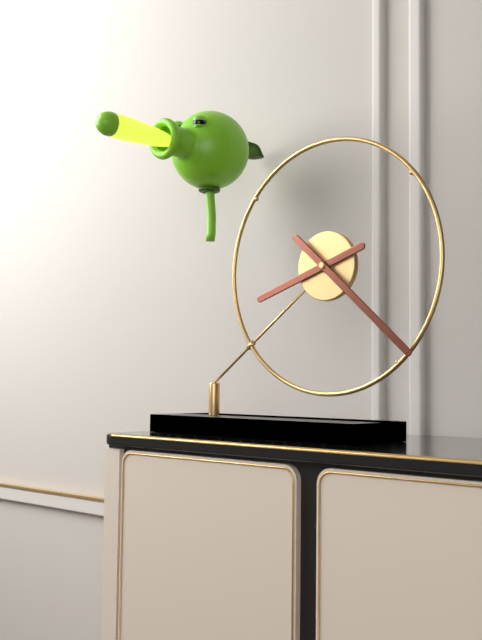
8 h 22 min
